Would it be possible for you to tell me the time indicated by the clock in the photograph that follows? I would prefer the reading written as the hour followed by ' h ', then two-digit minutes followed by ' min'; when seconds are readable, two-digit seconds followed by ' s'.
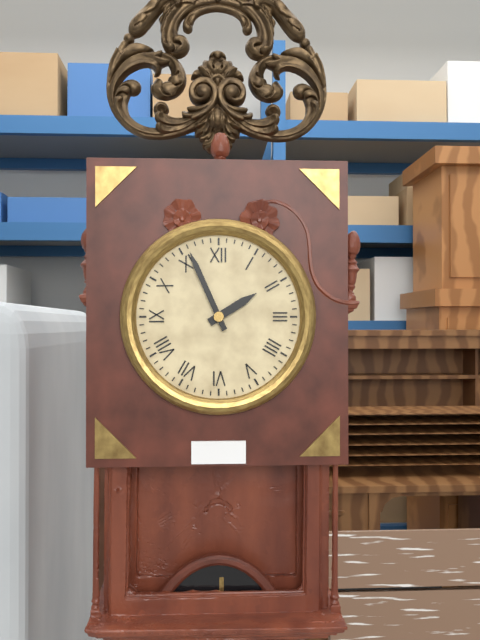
1 h 56 min
